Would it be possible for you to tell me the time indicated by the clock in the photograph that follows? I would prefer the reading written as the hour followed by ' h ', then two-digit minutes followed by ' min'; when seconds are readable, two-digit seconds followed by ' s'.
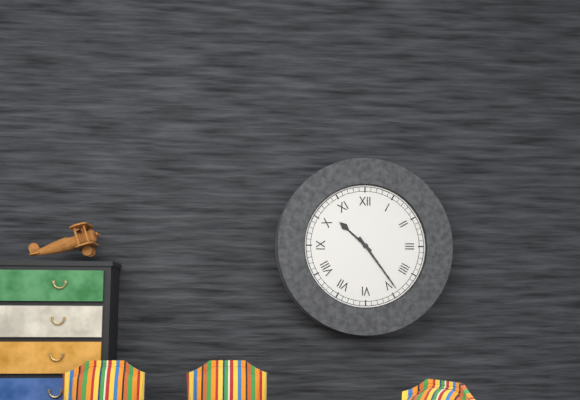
10 h 24 min
